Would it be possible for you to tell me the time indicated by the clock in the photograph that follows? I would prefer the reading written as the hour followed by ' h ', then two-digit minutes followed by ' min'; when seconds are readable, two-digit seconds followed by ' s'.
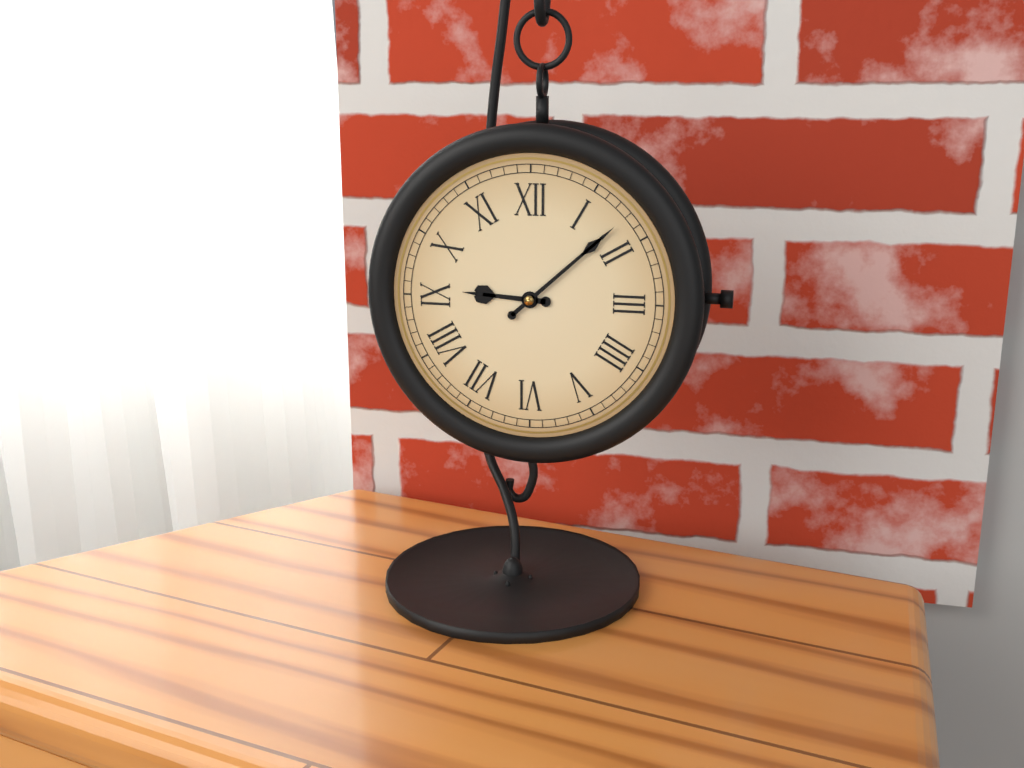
9 h 08 min
